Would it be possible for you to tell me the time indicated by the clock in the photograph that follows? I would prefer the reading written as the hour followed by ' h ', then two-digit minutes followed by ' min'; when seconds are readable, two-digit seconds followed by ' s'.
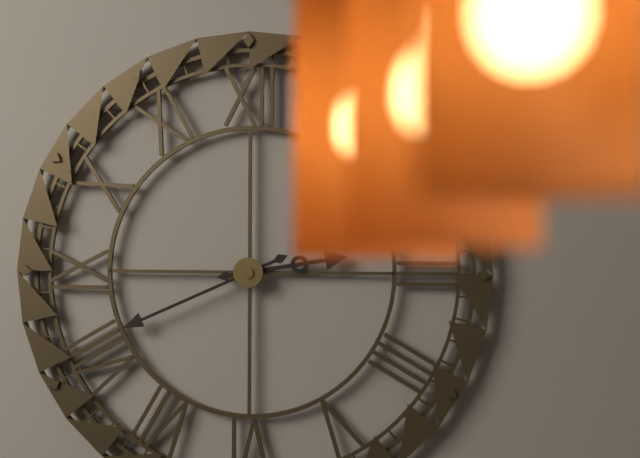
2 h 41 min
